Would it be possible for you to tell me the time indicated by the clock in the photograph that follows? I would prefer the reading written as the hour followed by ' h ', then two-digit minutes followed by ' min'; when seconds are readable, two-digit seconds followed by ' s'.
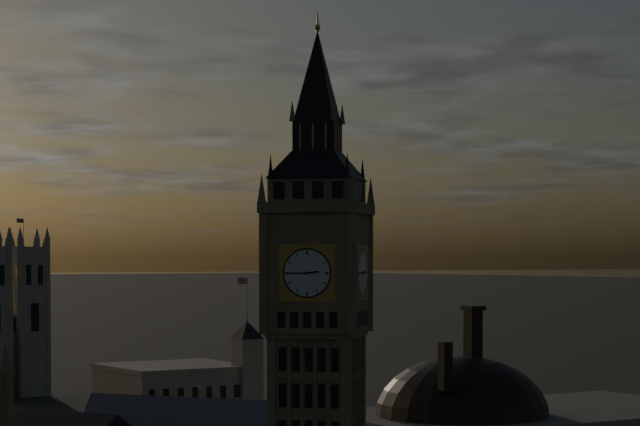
2 h 45 min
